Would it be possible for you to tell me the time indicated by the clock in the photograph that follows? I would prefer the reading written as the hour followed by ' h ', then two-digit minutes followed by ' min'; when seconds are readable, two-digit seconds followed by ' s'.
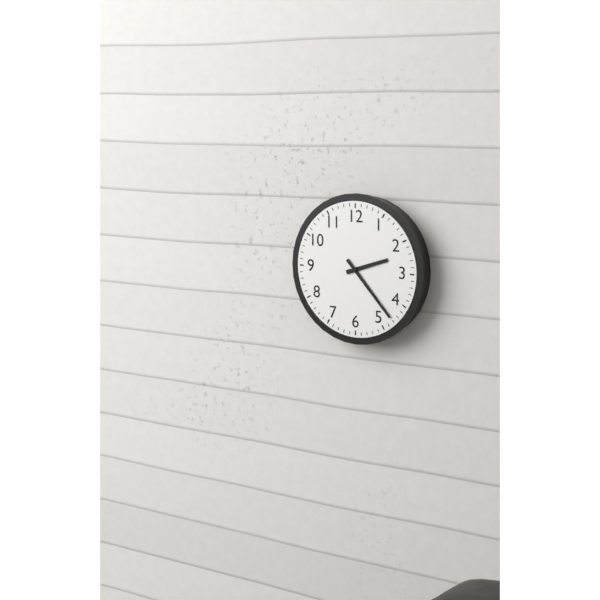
2 h 23 min
